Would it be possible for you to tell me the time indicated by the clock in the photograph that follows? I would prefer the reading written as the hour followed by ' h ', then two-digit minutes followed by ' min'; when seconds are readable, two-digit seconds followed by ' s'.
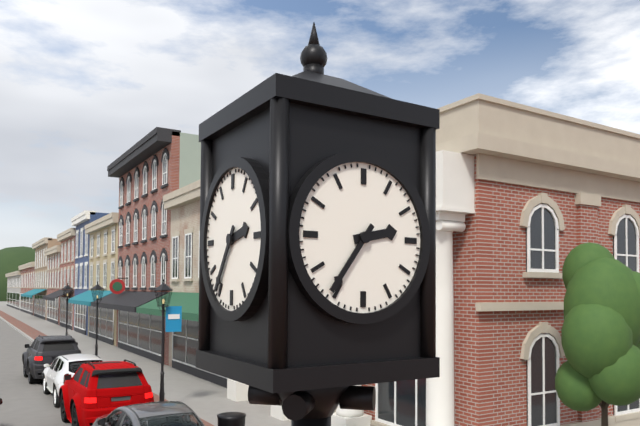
2 h 36 min
